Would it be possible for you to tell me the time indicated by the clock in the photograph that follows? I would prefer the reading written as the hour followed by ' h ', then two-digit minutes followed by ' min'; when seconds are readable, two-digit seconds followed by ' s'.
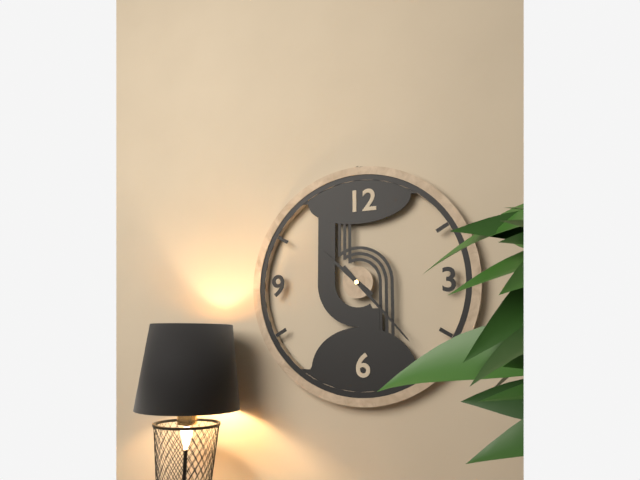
10 h 23 min
